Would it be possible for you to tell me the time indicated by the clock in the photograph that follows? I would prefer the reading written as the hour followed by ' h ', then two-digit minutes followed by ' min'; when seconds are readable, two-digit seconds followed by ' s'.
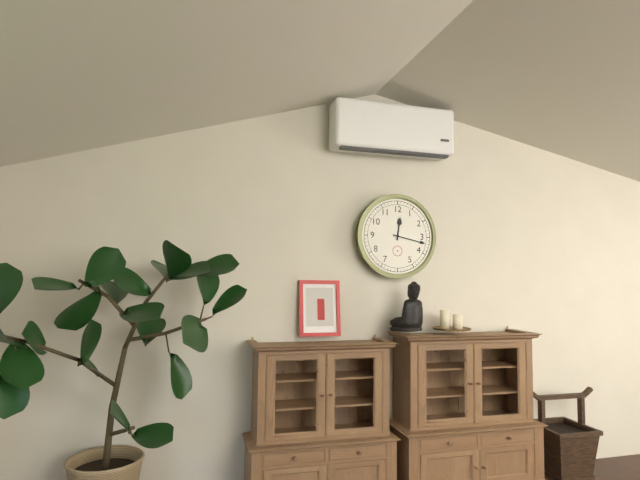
12 h 17 min
